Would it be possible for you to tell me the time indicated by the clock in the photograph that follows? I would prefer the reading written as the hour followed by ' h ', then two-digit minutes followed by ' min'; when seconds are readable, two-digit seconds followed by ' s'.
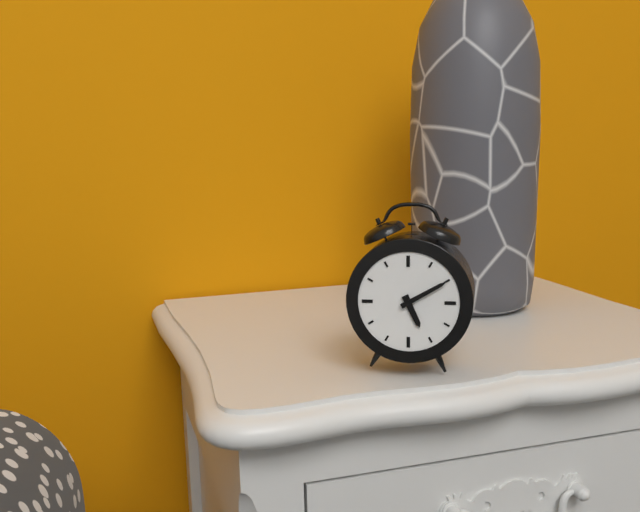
5 h 10 min
